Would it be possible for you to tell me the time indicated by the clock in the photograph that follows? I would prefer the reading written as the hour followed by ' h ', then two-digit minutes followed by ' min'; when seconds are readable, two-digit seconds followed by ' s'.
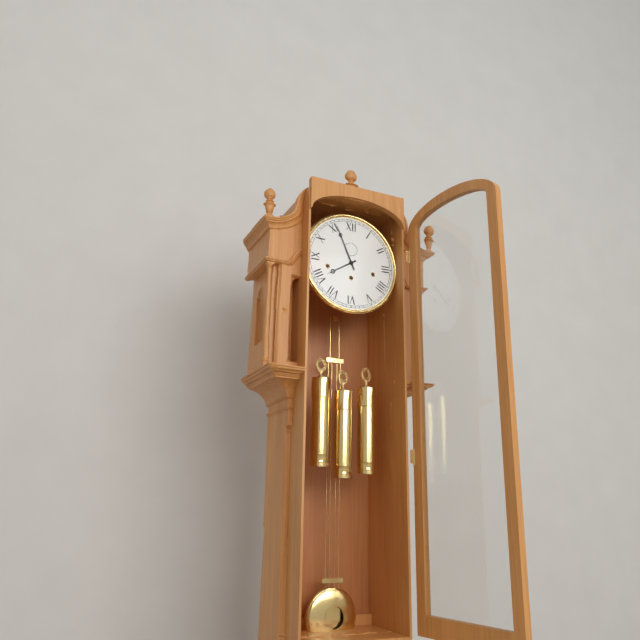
7 h 56 min
